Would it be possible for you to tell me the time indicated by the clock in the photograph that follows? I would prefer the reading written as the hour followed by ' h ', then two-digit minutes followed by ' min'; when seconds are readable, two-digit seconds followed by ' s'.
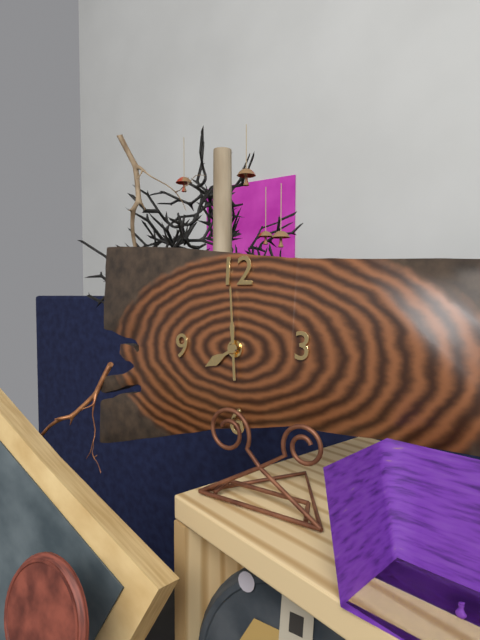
7 h 59 min
